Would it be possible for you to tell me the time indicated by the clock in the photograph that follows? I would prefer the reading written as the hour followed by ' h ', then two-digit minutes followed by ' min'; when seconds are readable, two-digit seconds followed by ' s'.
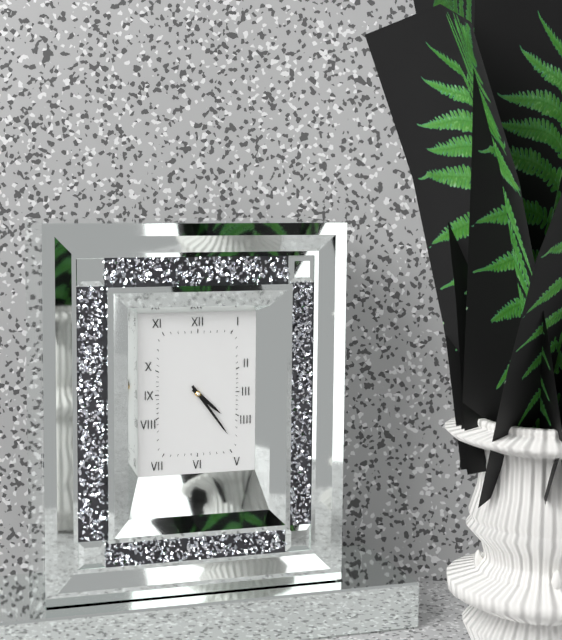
4 h 24 min
